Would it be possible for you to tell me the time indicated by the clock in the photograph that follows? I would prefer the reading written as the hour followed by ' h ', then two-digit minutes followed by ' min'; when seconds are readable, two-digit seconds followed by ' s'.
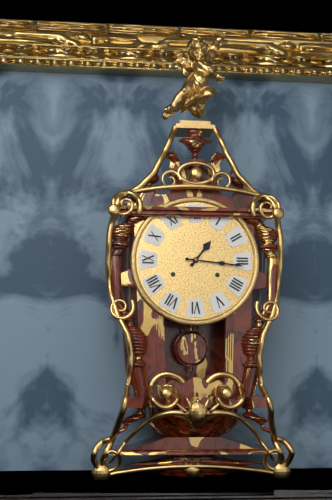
1 h 16 min
